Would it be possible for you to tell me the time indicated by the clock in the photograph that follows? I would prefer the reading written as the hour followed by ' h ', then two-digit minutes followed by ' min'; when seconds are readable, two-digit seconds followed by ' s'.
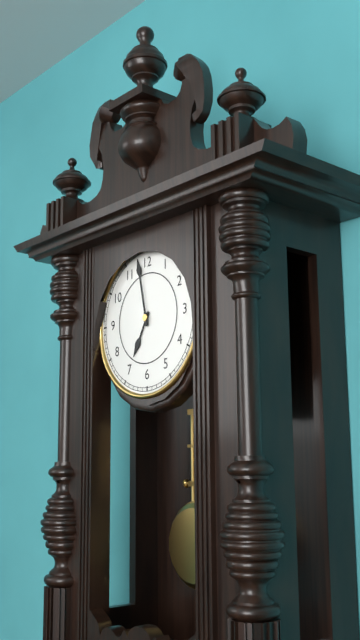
6 h 58 min
